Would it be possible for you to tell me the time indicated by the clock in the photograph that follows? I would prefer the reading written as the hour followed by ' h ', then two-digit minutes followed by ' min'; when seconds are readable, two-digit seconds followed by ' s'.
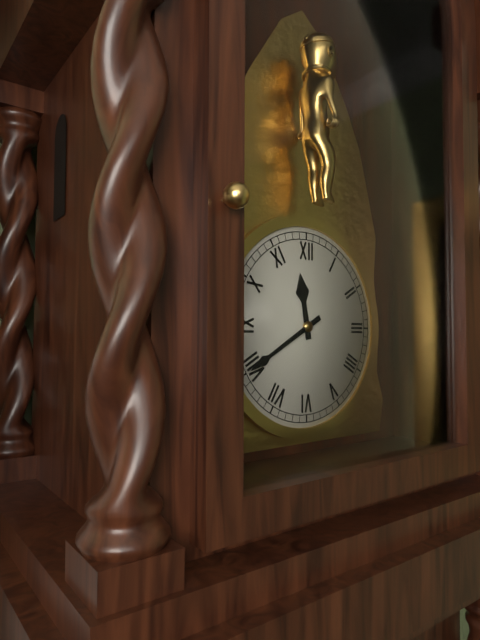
11 h 40 min
